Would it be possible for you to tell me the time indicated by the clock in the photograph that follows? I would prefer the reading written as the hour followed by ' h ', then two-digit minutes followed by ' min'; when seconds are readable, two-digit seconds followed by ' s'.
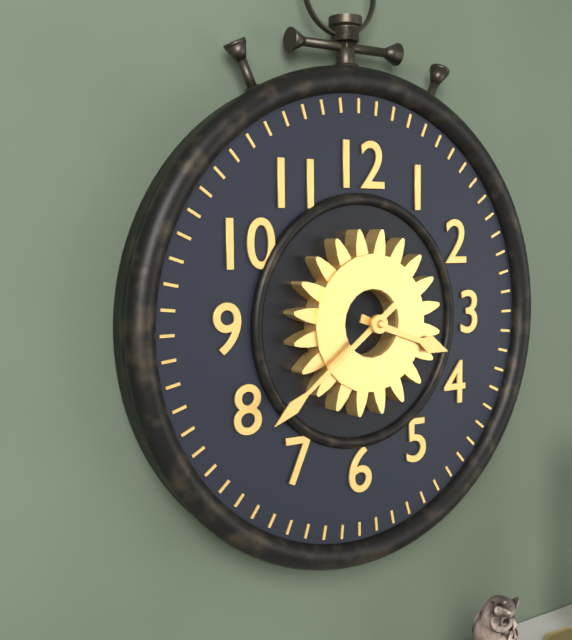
3 h 39 min
